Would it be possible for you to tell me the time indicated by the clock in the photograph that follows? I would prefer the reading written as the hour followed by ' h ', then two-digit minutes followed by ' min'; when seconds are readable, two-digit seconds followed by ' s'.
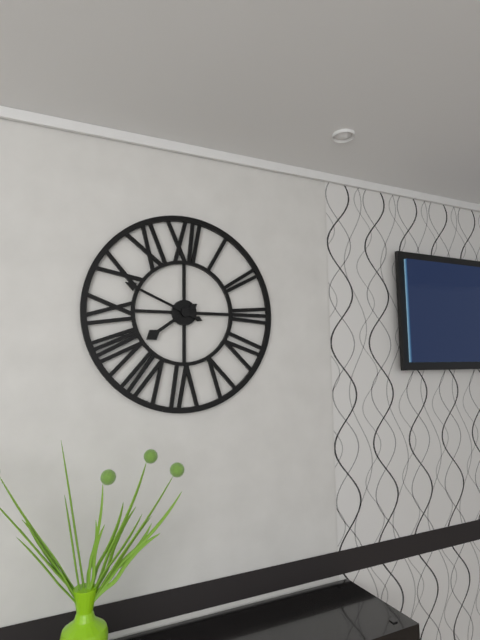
7 h 49 min
